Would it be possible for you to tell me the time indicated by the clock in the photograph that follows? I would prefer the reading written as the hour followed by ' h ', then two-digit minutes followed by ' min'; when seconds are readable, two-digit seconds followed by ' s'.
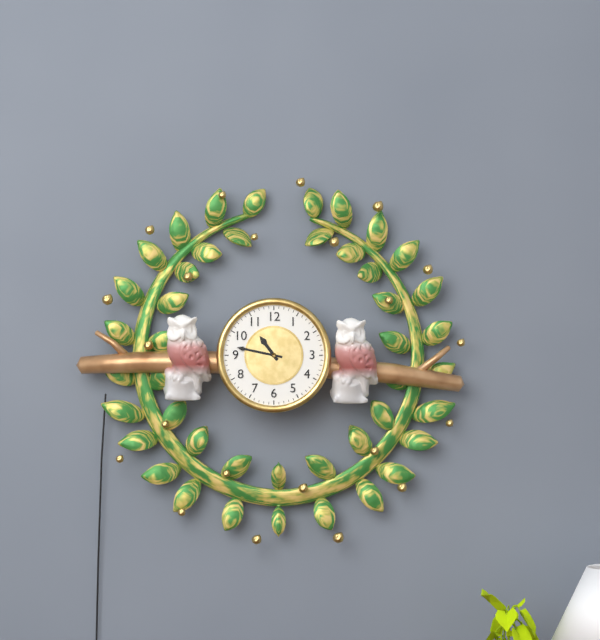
10 h 47 min
